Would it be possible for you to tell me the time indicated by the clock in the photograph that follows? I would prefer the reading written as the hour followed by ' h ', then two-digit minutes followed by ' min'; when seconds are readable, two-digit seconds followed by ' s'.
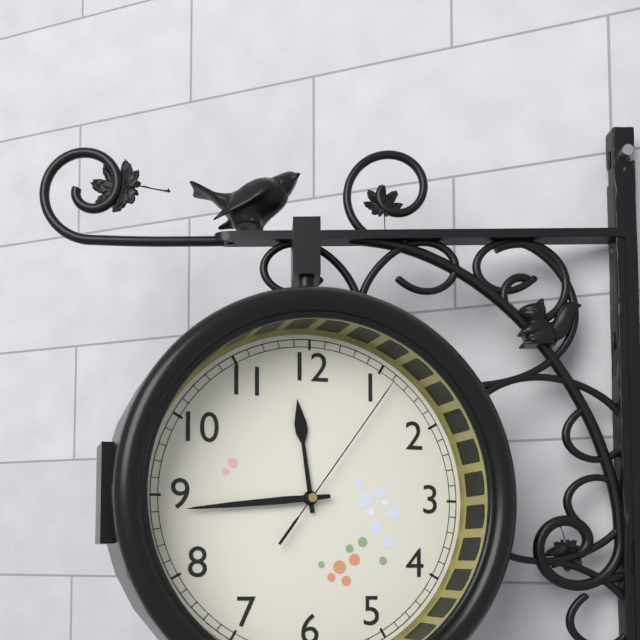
11 h 44 min 06 s
